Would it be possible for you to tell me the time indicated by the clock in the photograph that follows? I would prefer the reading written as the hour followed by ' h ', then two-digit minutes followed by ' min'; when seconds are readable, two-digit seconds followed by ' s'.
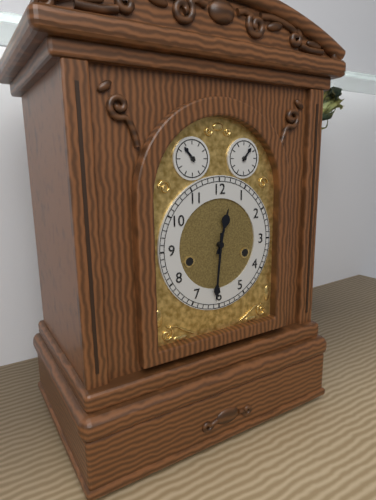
12 h 31 min
